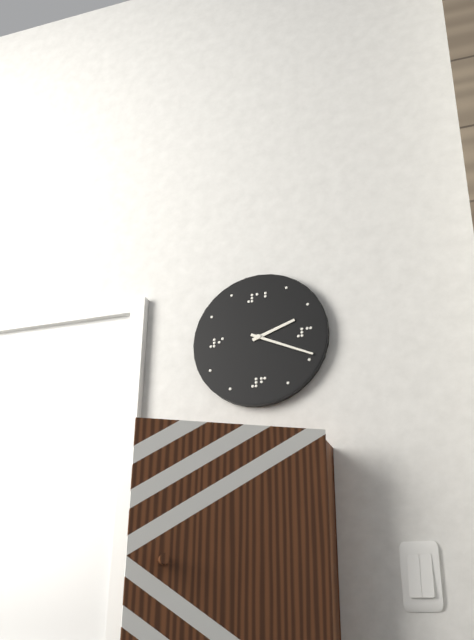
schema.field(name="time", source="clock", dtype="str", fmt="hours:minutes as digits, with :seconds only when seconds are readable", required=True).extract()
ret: 2:19
